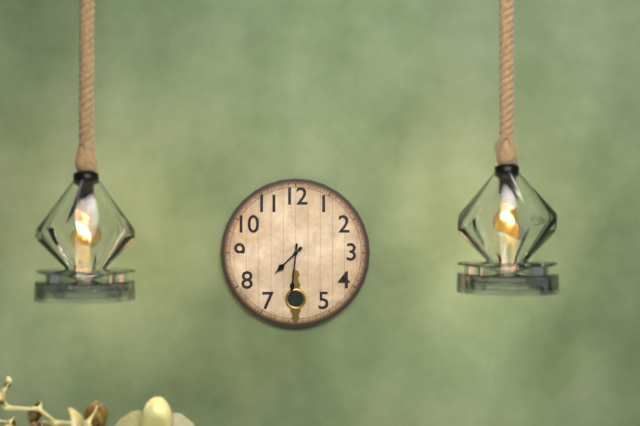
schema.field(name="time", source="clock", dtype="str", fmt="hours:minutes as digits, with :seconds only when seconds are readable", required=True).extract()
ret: 7:31
